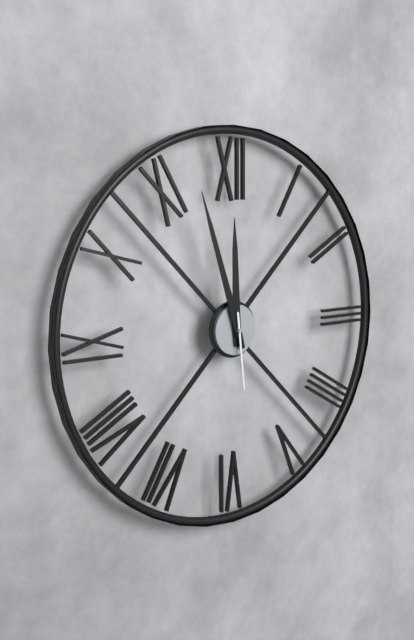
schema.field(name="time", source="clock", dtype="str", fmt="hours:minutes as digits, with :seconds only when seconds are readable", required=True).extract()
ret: 11:57:29
